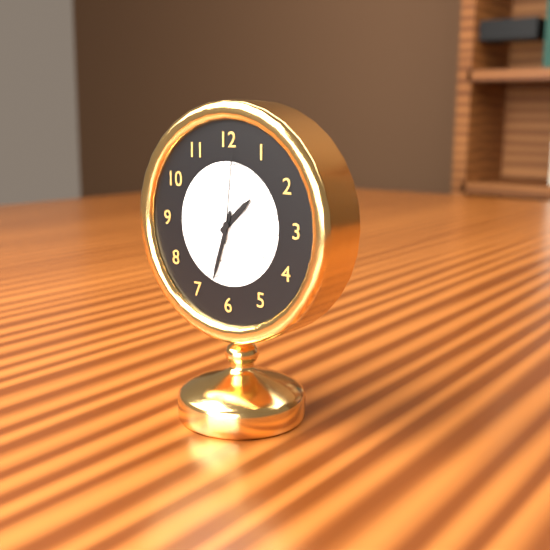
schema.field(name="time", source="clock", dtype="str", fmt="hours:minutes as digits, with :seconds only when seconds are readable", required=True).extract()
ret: 1:33:01
